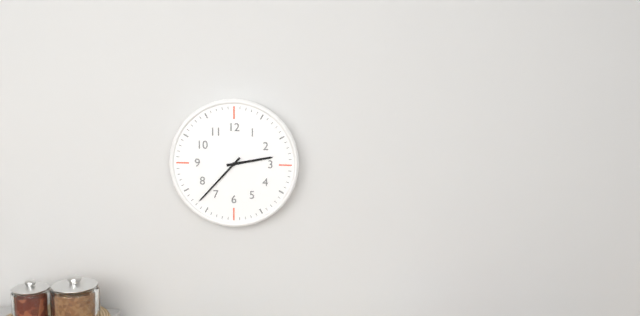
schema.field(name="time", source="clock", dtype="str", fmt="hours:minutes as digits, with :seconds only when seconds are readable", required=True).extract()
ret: 2:37
